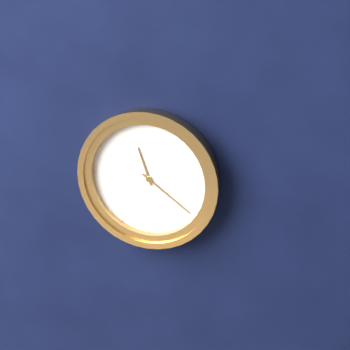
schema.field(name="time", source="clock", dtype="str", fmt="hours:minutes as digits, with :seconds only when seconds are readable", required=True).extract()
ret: 11:21
